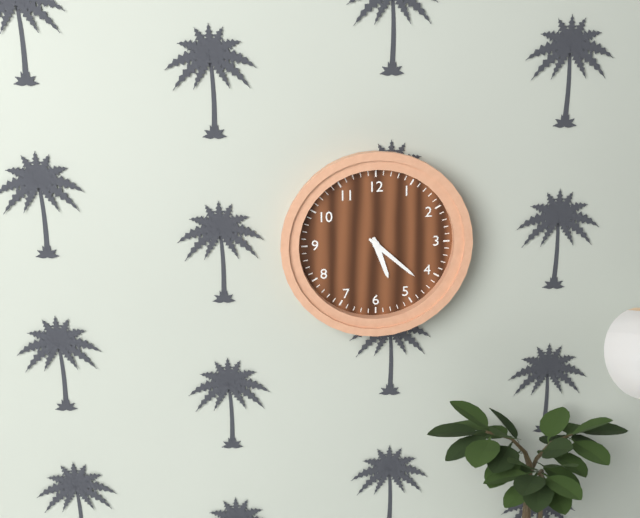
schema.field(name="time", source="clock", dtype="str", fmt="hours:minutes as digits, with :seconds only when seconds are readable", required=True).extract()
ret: 5:22
